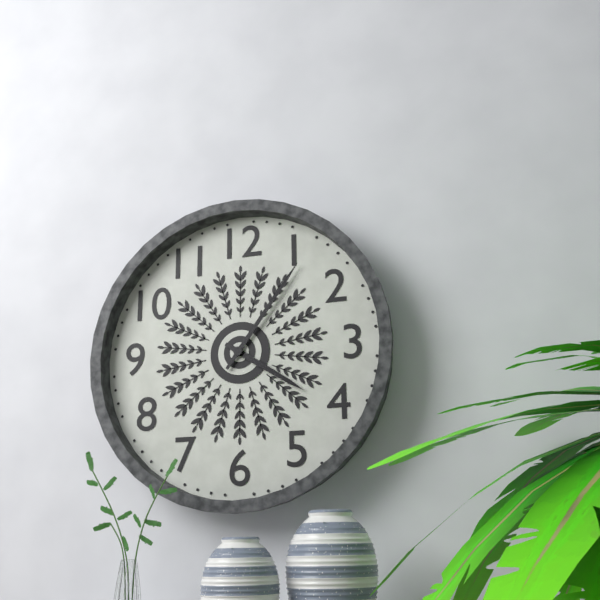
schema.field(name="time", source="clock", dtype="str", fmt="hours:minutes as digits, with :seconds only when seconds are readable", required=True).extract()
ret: 4:06
